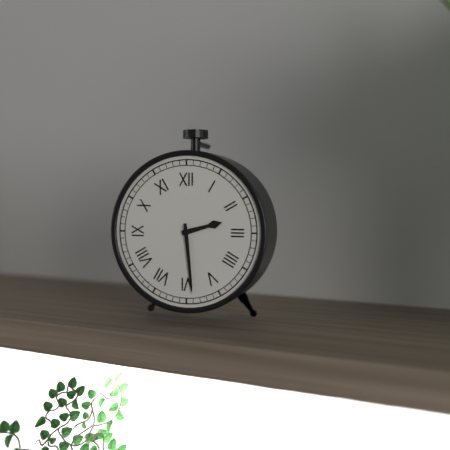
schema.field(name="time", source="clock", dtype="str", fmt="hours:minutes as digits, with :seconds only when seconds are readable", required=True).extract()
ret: 2:29
